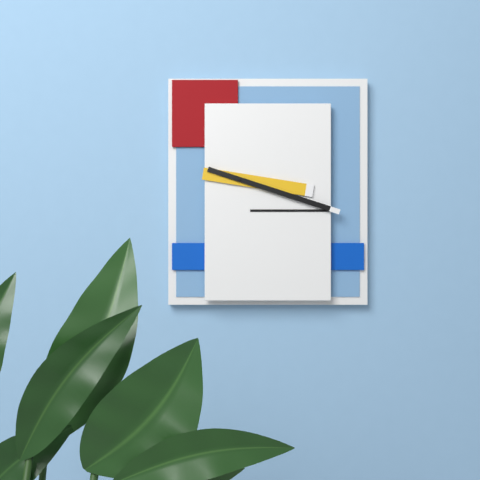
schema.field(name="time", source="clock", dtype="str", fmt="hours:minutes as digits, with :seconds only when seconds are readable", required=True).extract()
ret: 3:18
